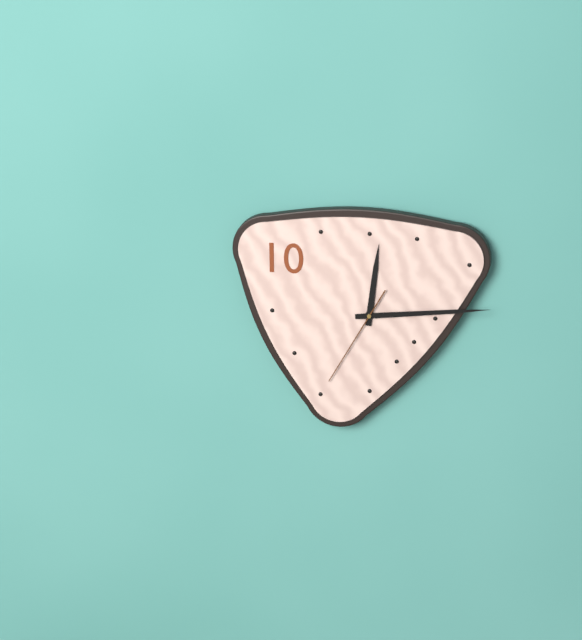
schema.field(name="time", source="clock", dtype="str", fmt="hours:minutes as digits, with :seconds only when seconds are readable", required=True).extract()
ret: 12:14:35
